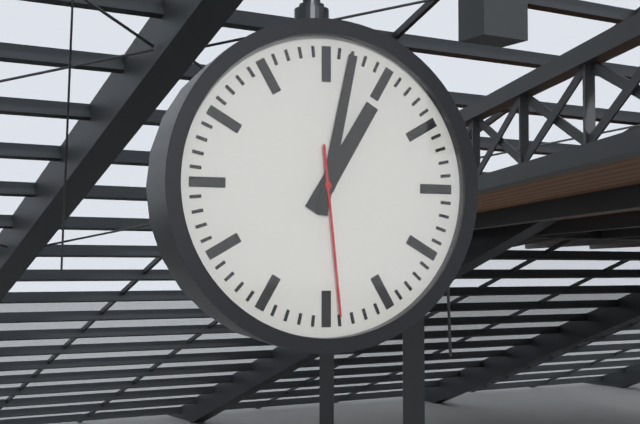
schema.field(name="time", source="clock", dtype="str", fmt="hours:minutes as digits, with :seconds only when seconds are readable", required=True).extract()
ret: 1:02:29
